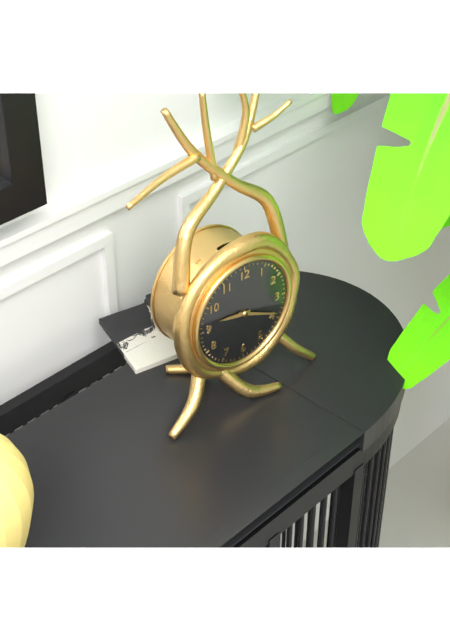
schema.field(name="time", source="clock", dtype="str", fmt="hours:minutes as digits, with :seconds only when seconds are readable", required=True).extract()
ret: 9:19
